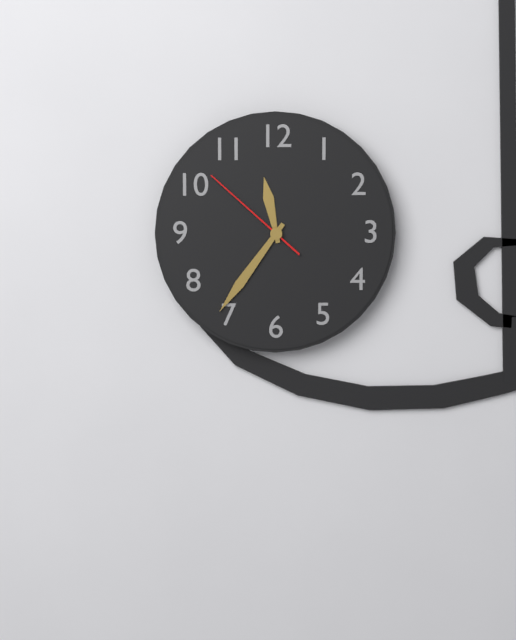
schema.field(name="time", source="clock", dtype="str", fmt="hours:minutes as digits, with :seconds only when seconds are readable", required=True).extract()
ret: 11:36:52
